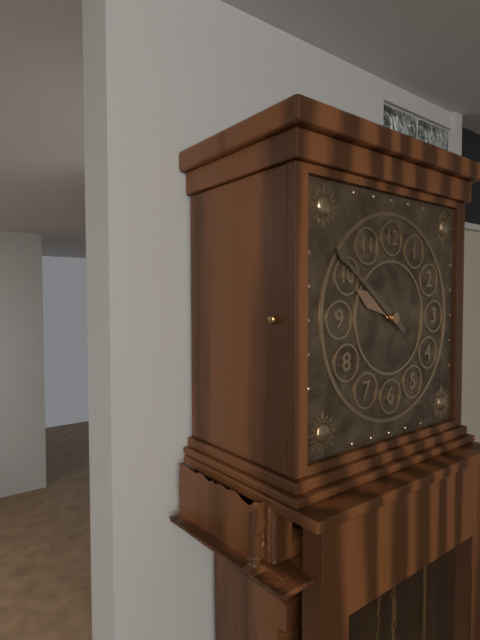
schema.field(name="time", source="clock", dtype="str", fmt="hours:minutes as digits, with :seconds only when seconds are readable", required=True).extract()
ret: 9:51
